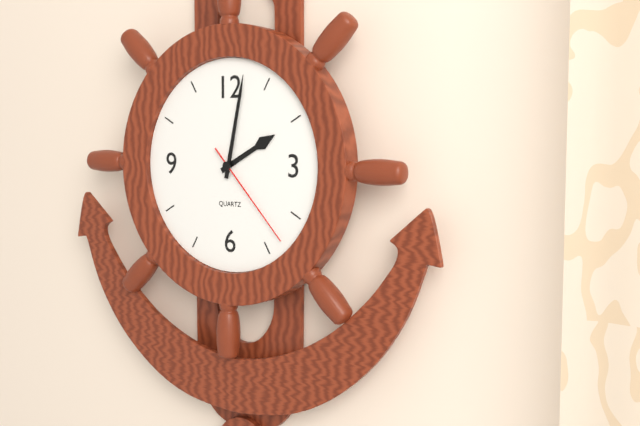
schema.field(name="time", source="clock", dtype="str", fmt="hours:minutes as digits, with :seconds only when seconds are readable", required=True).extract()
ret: 2:02:23
